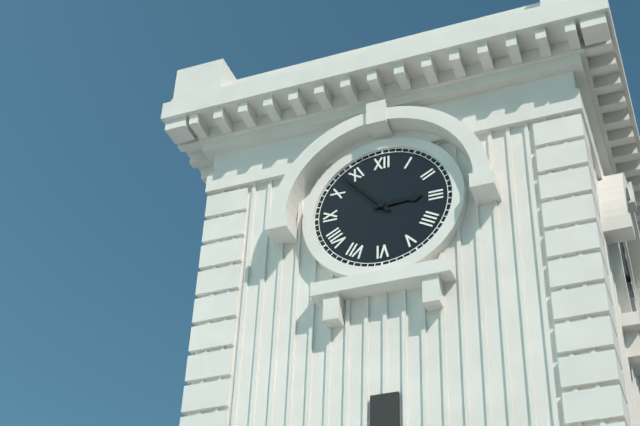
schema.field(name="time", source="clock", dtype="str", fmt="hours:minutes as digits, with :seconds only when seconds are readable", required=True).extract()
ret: 2:53
